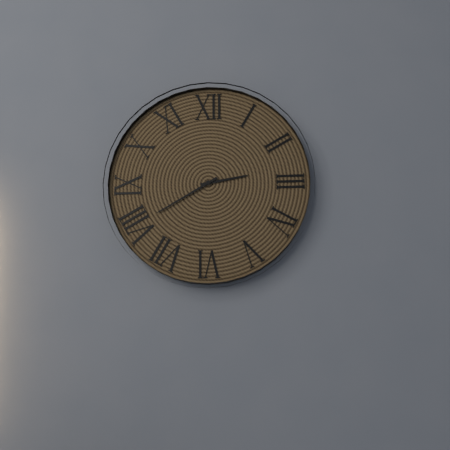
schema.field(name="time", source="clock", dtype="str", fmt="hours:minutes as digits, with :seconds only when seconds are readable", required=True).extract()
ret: 2:40
